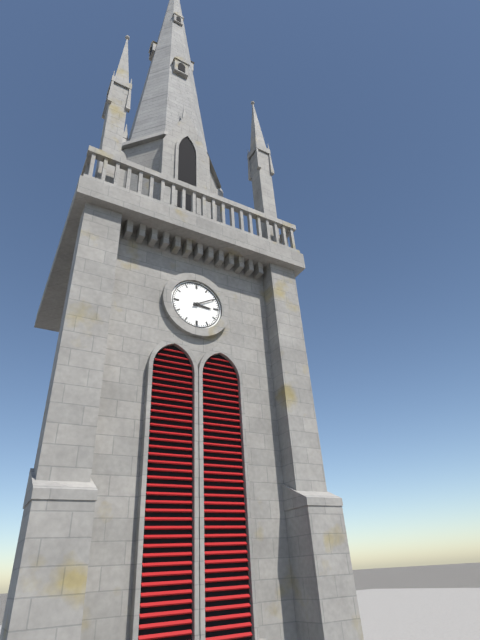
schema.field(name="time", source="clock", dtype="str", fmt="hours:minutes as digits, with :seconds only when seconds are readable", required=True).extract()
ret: 3:10
